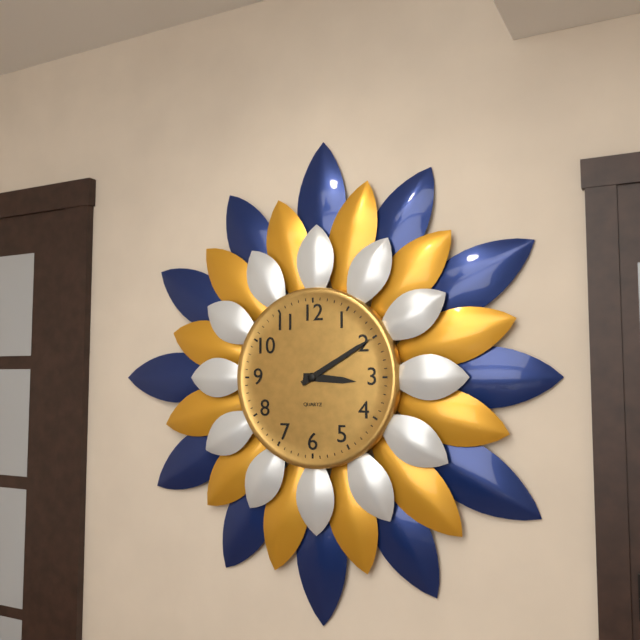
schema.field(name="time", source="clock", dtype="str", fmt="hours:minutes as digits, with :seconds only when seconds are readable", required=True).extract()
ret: 3:10
